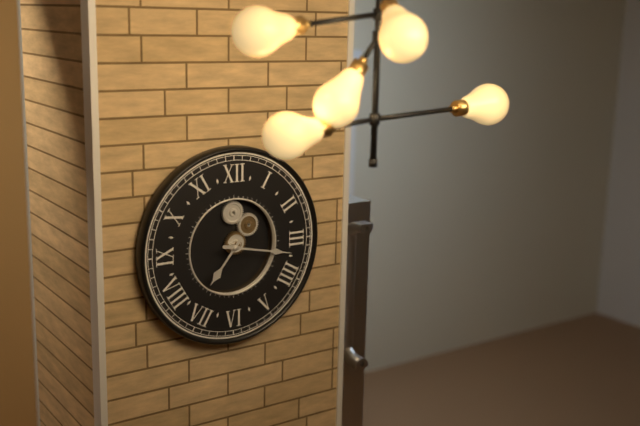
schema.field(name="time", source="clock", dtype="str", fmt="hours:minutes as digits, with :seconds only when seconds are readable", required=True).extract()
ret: 7:17
